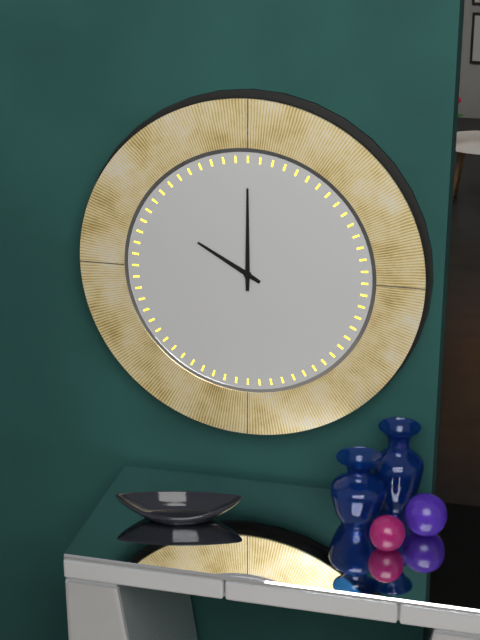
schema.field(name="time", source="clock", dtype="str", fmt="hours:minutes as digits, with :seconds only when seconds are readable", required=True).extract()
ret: 10:00
